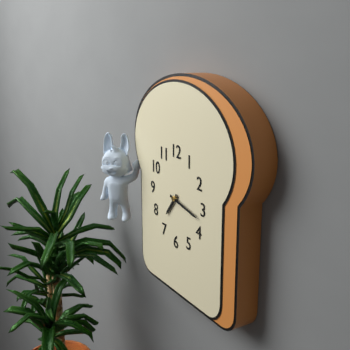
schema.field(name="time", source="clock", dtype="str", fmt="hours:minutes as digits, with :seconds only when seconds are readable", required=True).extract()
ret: 7:17
